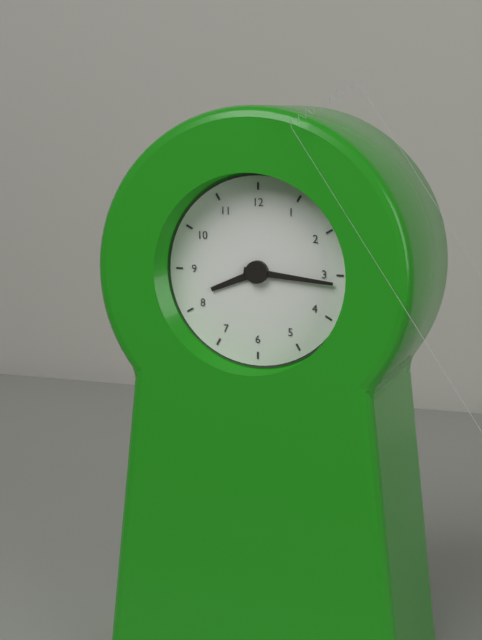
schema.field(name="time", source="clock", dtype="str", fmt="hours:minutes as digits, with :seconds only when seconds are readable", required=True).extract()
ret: 8:16
